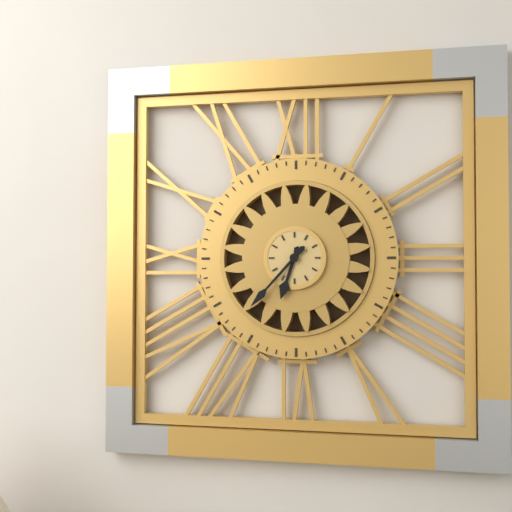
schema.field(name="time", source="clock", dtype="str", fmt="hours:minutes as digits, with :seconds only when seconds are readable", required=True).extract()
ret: 6:37
